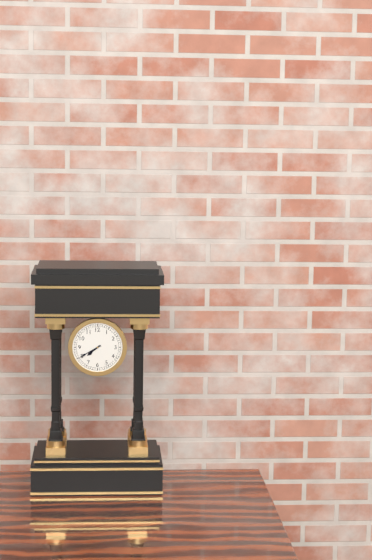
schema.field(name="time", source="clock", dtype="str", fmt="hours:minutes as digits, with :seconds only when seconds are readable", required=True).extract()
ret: 7:40
